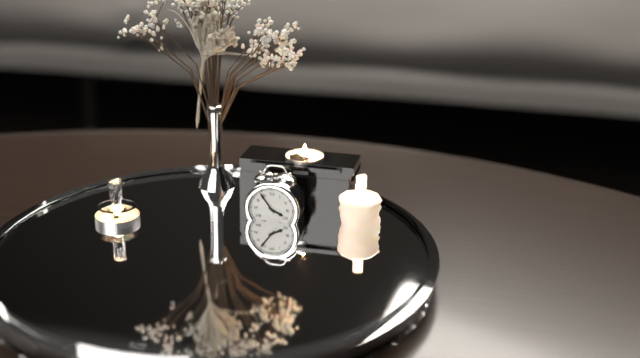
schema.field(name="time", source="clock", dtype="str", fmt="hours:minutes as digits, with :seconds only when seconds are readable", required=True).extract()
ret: 3:54
